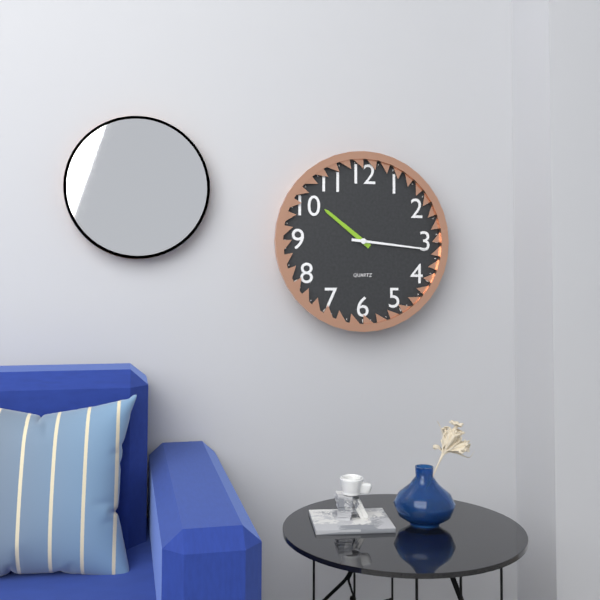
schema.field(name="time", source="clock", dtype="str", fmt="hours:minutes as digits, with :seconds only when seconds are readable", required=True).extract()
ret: 10:16
